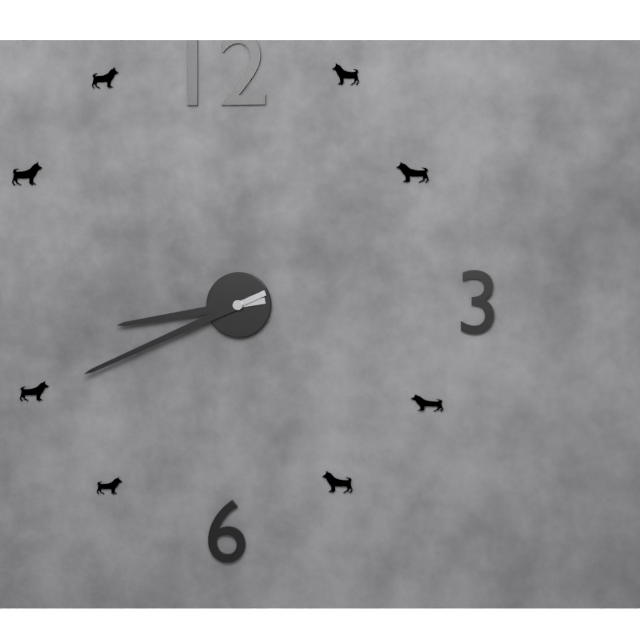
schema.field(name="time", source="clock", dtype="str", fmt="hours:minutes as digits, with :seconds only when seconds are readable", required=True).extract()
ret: 8:41
